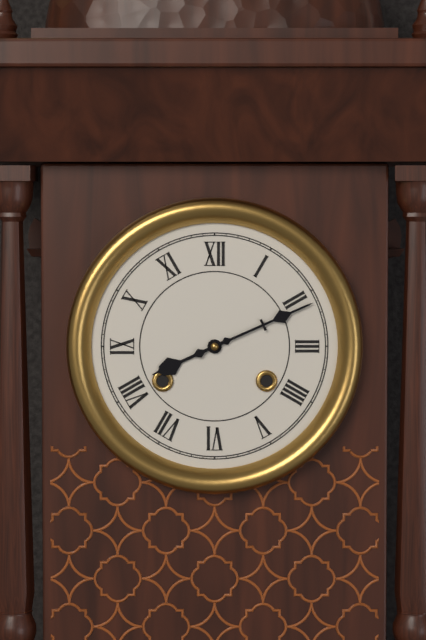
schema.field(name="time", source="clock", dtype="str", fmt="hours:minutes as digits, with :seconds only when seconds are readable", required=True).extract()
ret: 8:11
